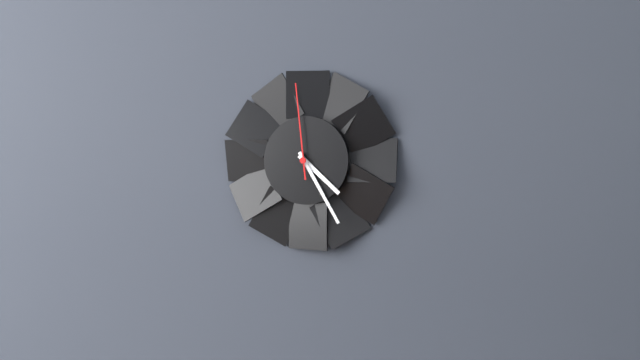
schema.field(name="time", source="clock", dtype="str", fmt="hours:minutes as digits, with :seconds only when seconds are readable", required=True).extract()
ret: 4:25:59
